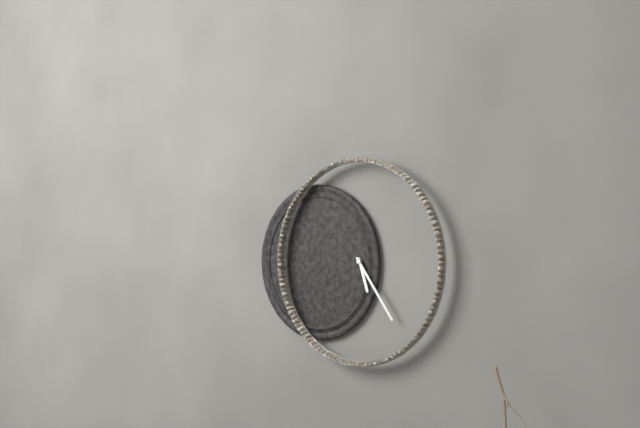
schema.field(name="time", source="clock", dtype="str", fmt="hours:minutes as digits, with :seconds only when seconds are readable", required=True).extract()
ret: 5:24
